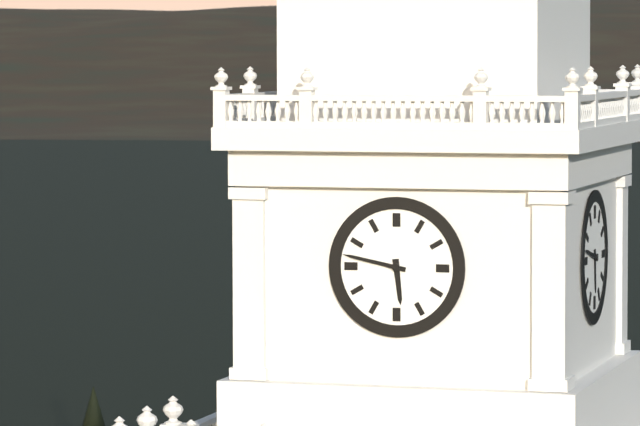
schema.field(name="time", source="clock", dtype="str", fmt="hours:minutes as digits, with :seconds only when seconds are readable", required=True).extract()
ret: 5:47
